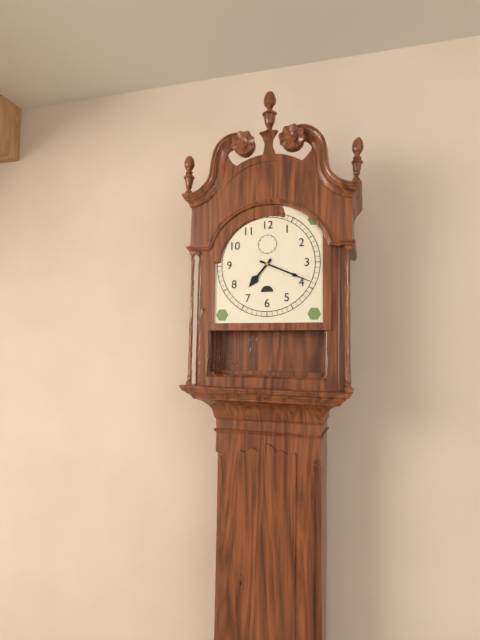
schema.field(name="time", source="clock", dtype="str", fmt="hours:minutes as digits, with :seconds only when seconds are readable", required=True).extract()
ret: 7:19
